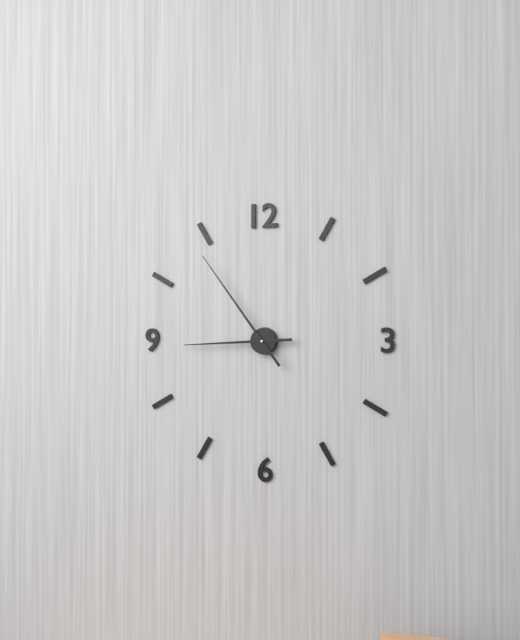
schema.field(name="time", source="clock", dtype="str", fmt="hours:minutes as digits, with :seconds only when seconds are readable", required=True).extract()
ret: 8:54
